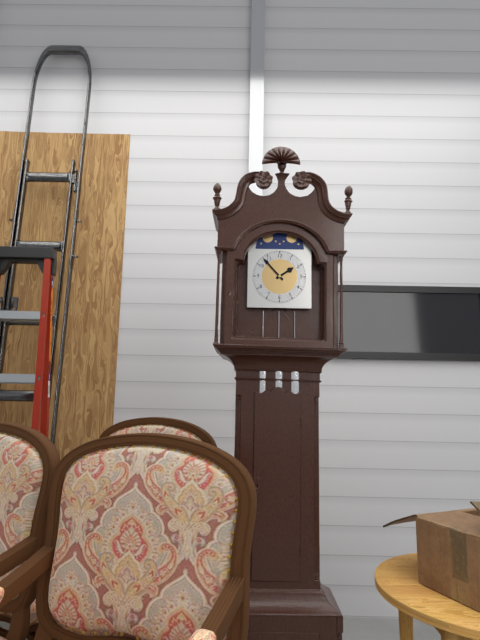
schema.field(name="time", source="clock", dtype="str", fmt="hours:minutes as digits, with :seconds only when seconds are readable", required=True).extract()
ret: 1:53
